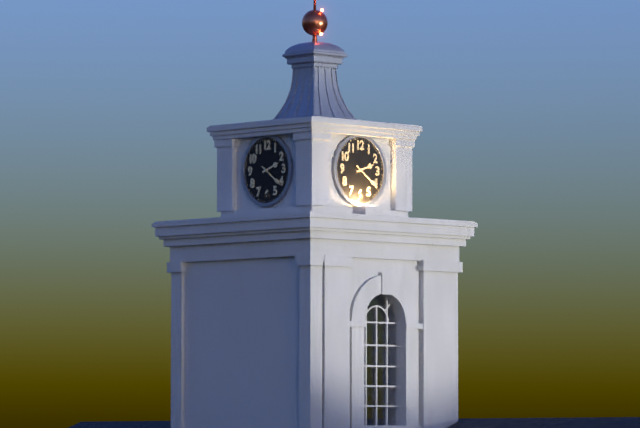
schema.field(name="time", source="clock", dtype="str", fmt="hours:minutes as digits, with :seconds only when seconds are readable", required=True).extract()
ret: 2:21
